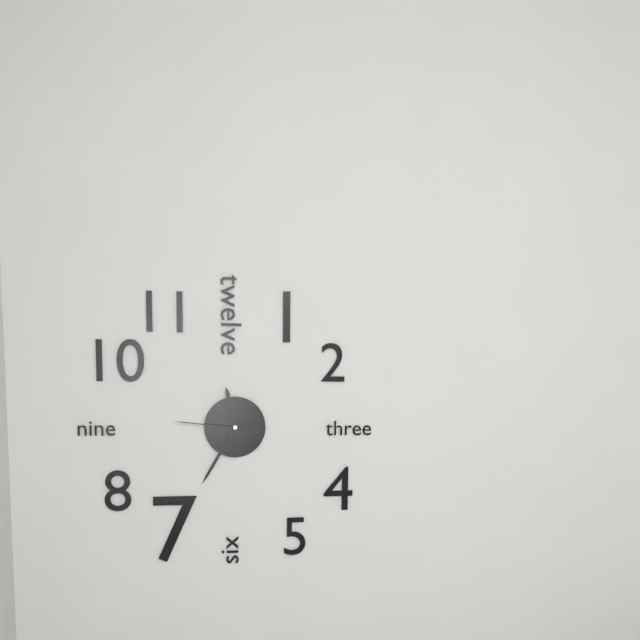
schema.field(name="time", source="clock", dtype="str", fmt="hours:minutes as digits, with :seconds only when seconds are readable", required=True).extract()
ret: 11:35:46
